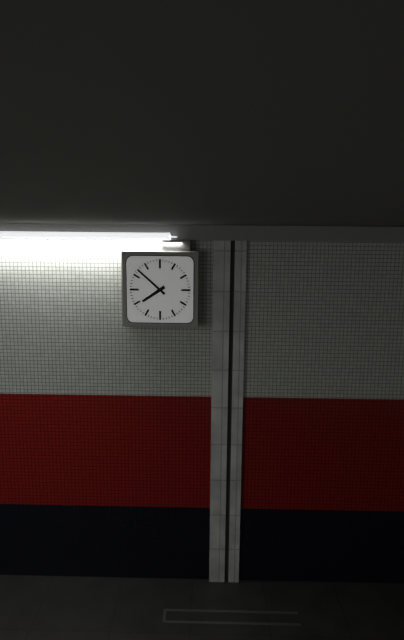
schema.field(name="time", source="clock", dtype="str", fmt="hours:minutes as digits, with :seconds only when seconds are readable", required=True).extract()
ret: 7:52
